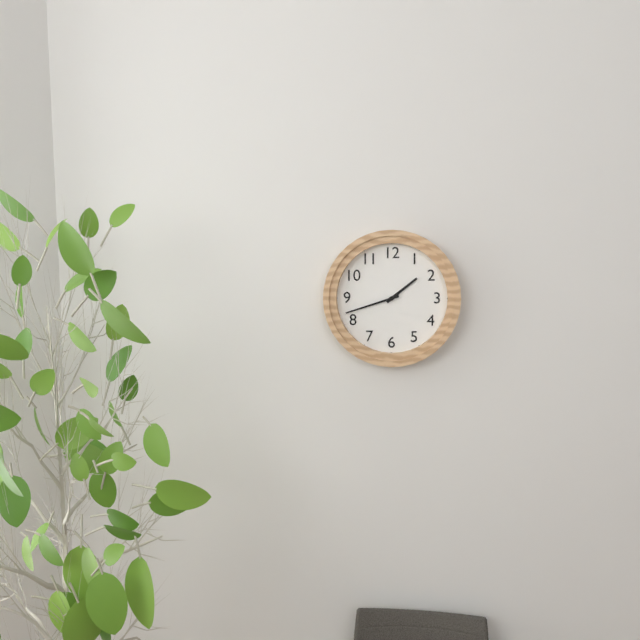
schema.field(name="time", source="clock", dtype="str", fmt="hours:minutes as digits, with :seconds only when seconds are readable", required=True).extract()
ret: 1:42
